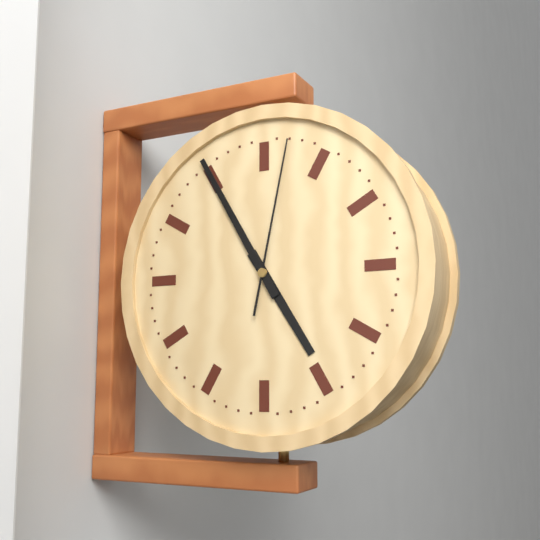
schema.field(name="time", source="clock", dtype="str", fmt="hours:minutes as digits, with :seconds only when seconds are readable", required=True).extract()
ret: 4:55:02
